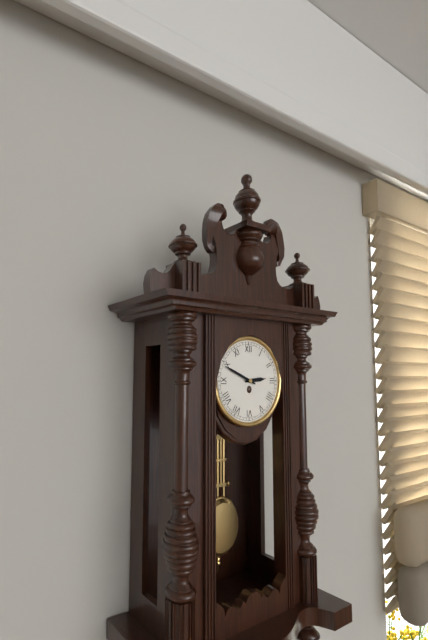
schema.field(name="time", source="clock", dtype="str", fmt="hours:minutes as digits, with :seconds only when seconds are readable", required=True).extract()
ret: 2:49
